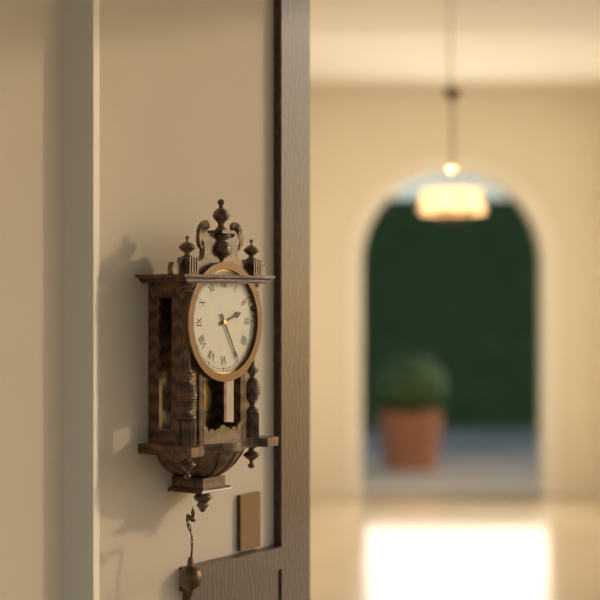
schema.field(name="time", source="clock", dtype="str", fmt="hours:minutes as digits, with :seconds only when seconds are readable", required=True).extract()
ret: 2:25
